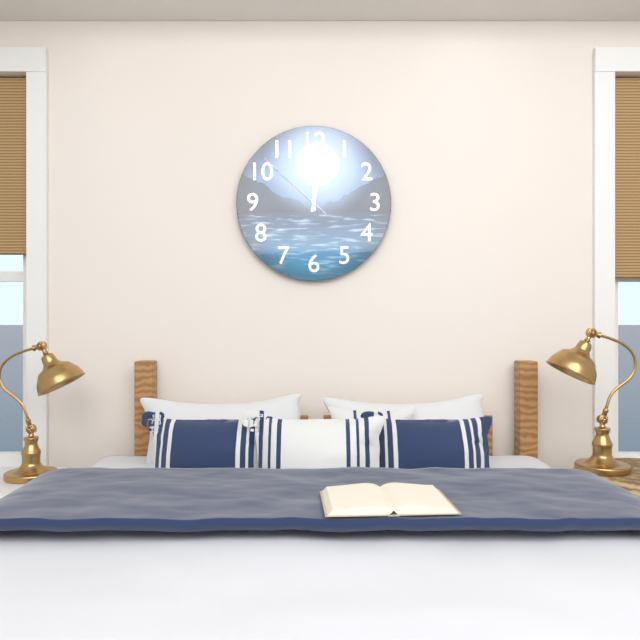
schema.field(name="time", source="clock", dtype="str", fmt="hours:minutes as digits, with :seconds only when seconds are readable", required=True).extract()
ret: 12:02:52
